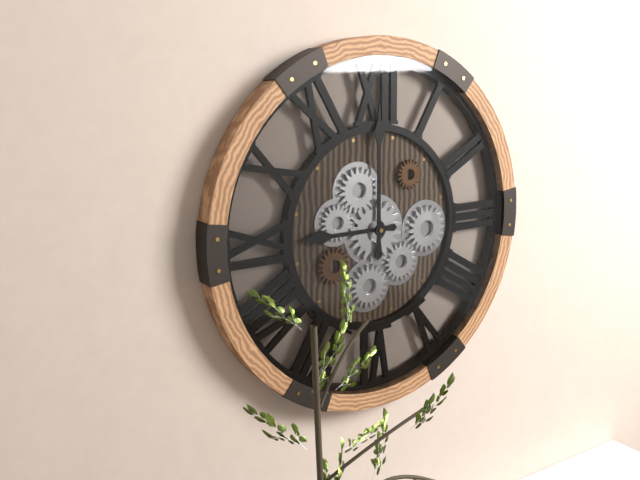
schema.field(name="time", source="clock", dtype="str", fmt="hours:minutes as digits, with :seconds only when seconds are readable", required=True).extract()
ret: 9:00
